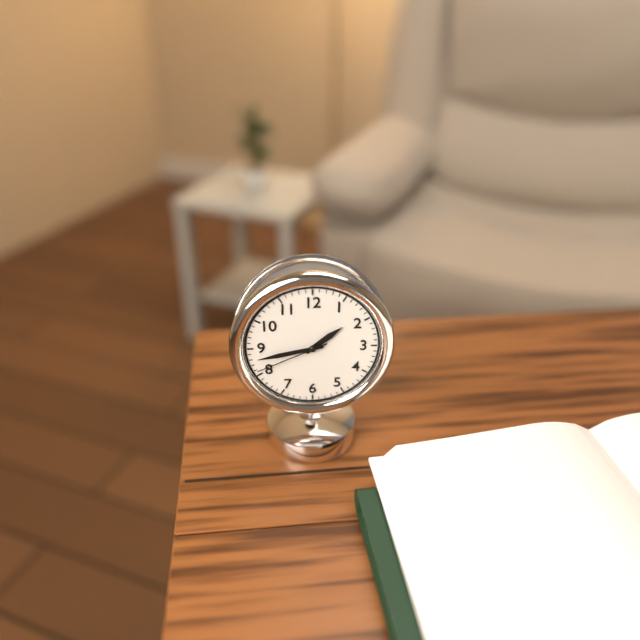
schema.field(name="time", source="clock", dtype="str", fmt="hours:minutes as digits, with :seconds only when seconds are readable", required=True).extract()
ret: 1:43:41
